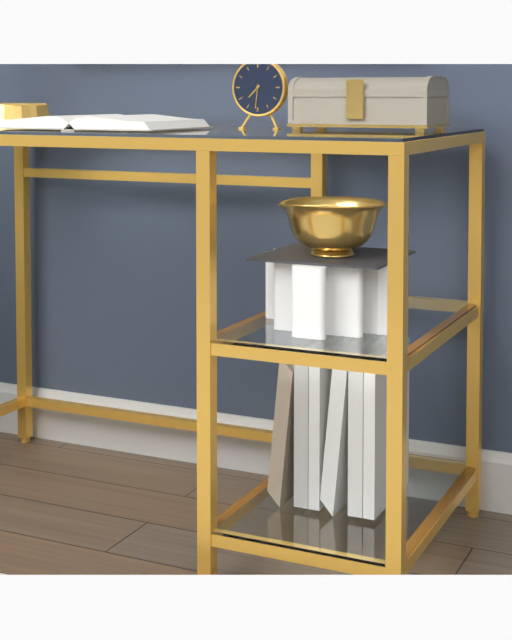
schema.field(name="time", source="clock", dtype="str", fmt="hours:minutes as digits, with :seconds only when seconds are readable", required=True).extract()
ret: 7:31
